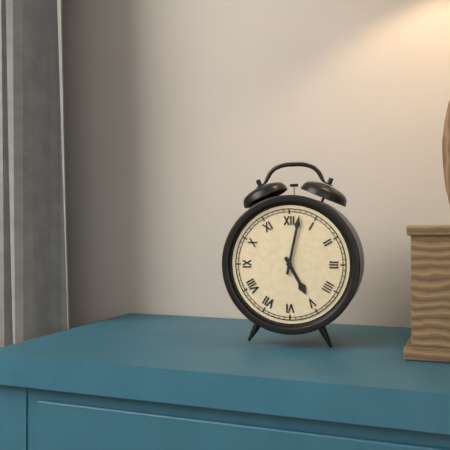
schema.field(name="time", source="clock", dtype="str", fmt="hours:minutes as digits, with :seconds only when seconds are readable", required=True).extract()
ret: 5:02
